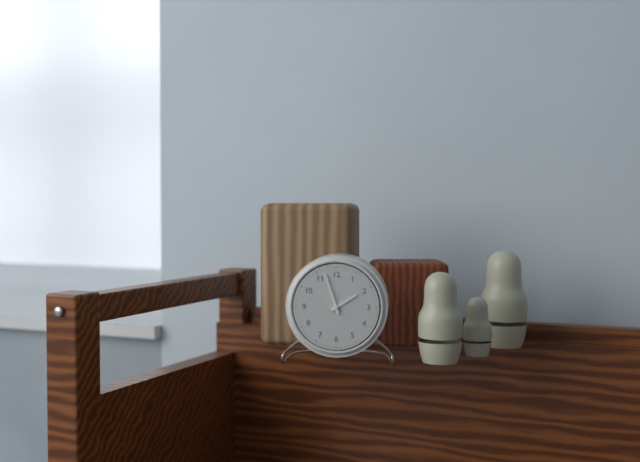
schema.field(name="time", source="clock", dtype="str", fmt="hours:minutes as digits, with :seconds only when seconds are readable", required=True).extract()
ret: 1:57
